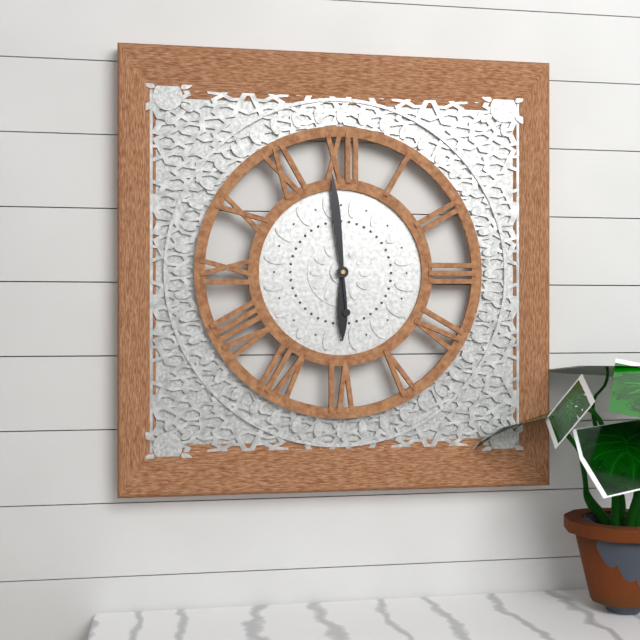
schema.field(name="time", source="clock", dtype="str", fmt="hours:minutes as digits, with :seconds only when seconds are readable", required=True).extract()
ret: 5:59
